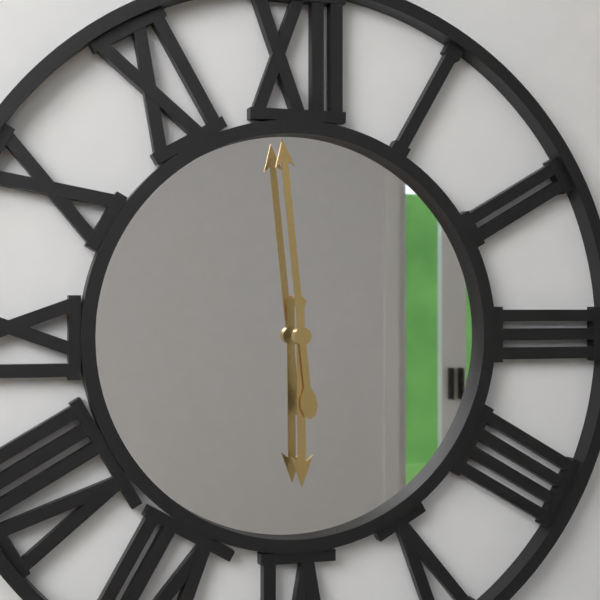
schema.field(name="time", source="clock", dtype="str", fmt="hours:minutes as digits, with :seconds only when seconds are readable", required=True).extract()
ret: 5:59
